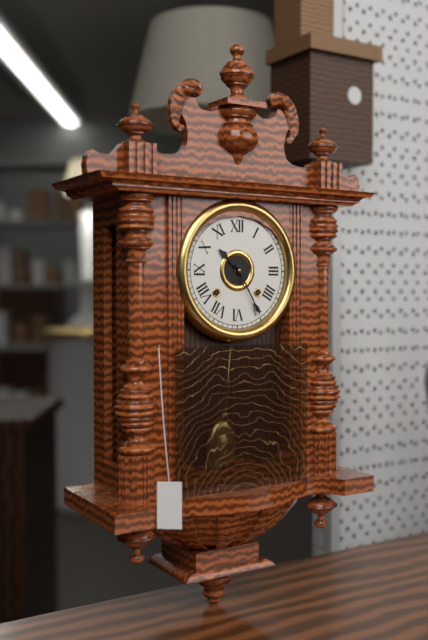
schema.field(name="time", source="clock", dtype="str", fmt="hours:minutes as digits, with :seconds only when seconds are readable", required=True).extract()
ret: 10:25
